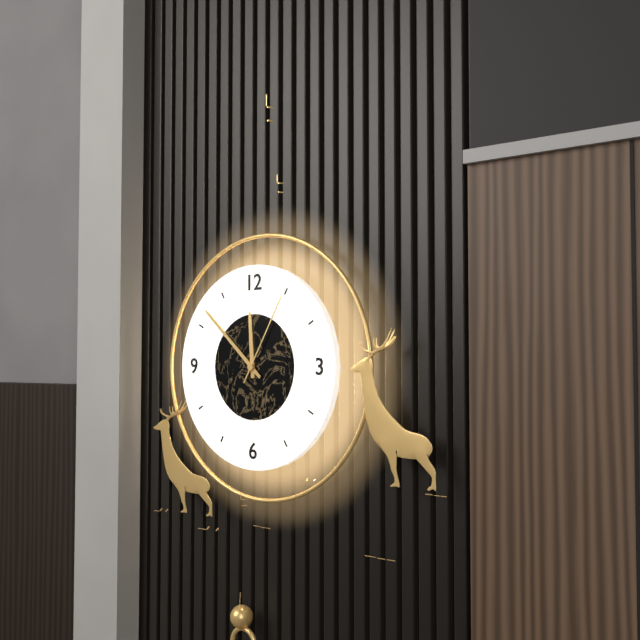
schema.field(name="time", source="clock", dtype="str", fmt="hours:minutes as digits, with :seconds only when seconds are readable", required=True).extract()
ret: 11:52:05
